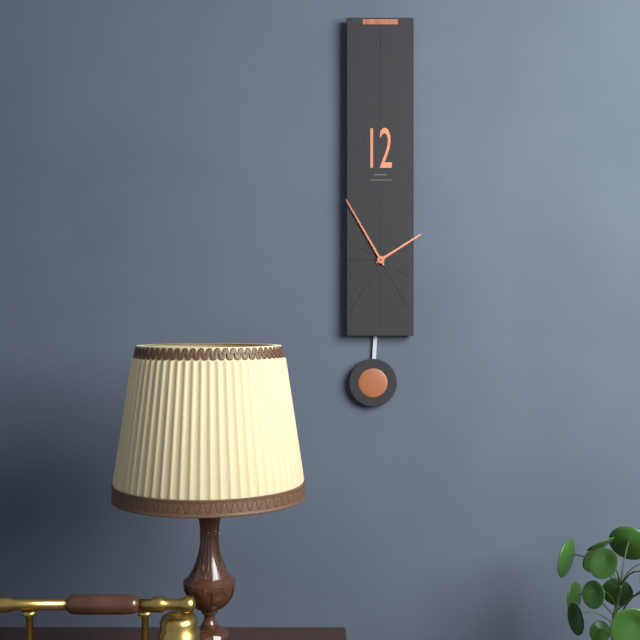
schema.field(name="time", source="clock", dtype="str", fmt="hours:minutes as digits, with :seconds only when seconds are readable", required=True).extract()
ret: 1:55
